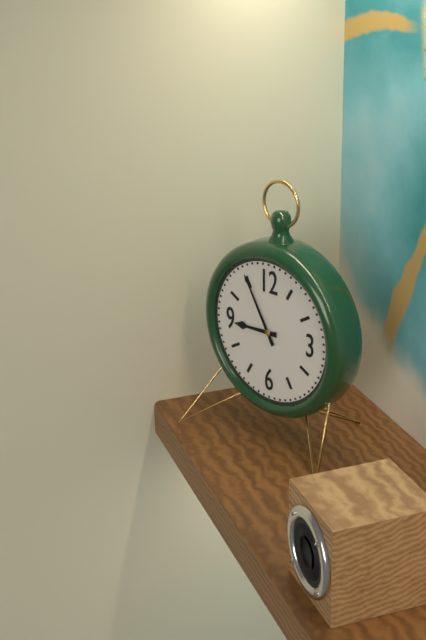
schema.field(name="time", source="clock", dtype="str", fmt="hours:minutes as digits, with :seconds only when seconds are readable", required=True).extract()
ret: 8:55
